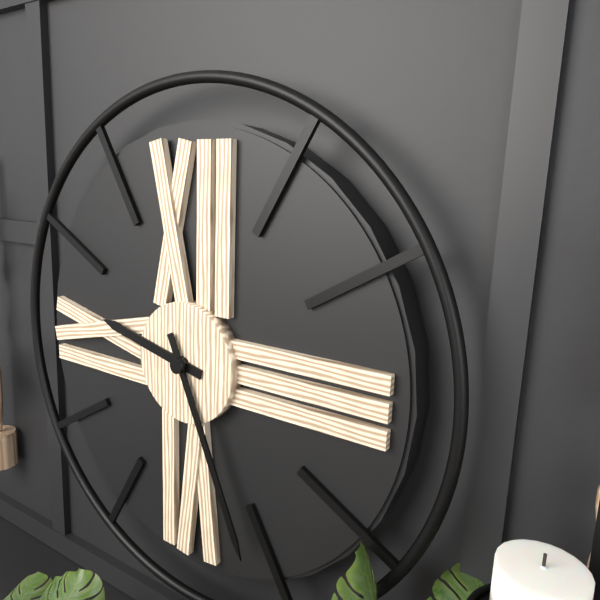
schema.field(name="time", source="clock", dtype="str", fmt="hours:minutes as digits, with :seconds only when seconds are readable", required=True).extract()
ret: 9:26
